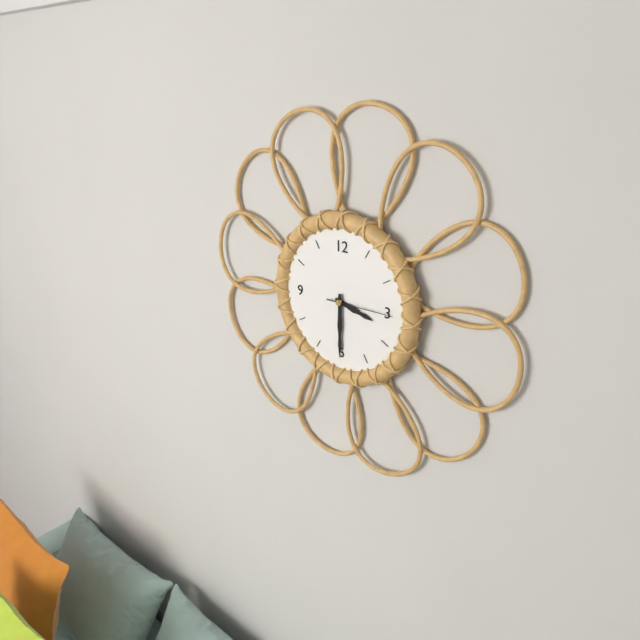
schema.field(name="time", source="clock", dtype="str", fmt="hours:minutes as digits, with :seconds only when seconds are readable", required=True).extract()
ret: 3:30:15
